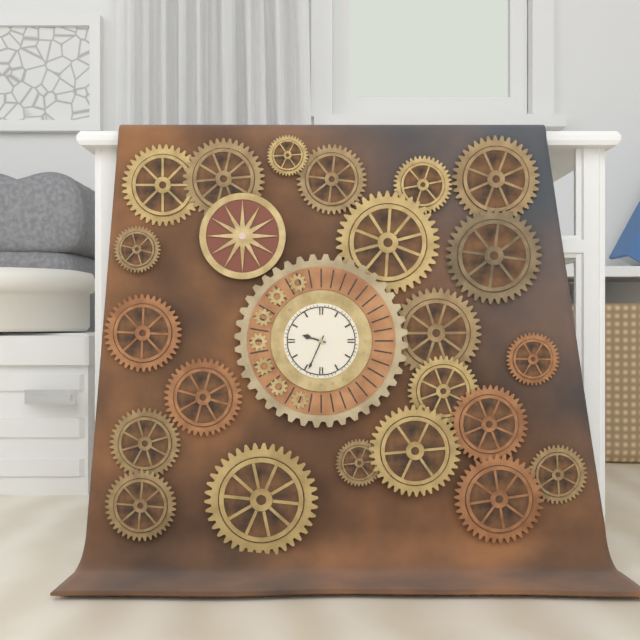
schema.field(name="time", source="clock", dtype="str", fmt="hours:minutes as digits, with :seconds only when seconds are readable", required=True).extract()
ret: 9:34
